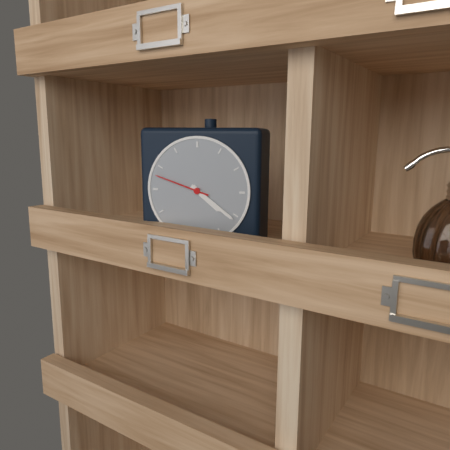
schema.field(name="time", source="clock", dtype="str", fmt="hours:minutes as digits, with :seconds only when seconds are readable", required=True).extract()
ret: 4:21:48
